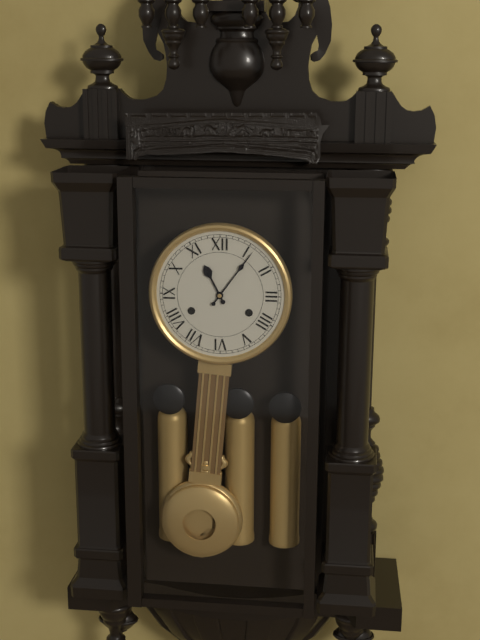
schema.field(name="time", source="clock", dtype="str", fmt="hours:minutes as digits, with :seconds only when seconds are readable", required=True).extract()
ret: 11:06
